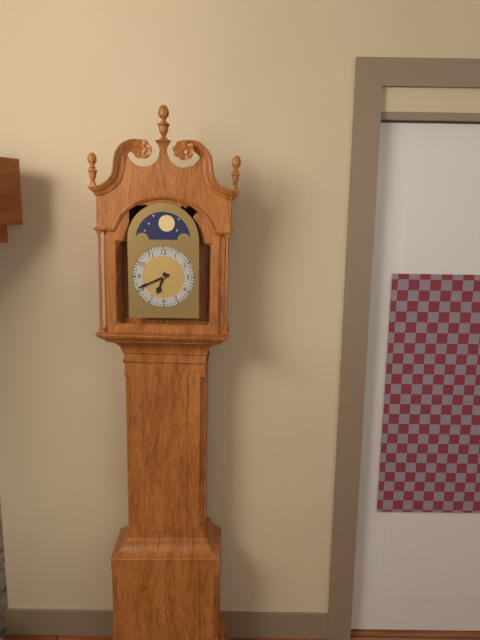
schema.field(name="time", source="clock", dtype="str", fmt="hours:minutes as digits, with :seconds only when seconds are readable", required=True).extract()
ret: 6:41
